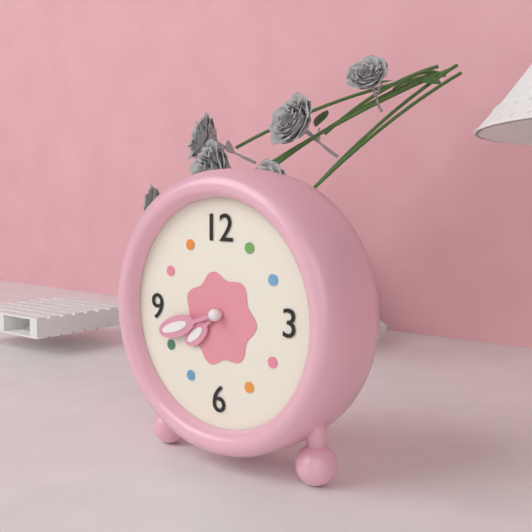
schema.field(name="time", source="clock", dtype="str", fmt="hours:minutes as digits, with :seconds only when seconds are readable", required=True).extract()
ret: 7:42
